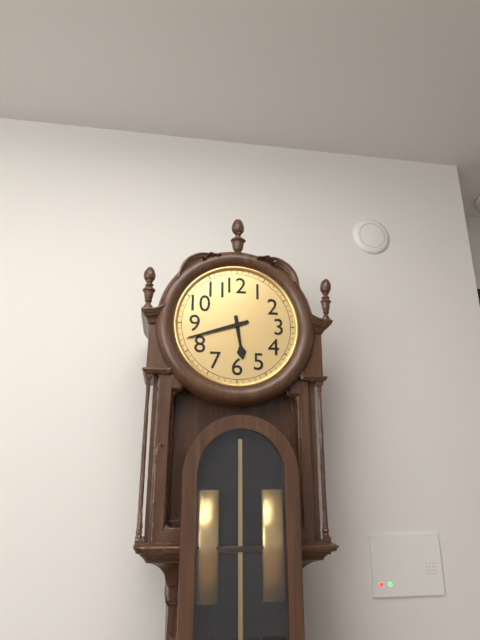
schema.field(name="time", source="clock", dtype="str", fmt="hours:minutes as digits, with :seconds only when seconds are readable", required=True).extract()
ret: 5:42
